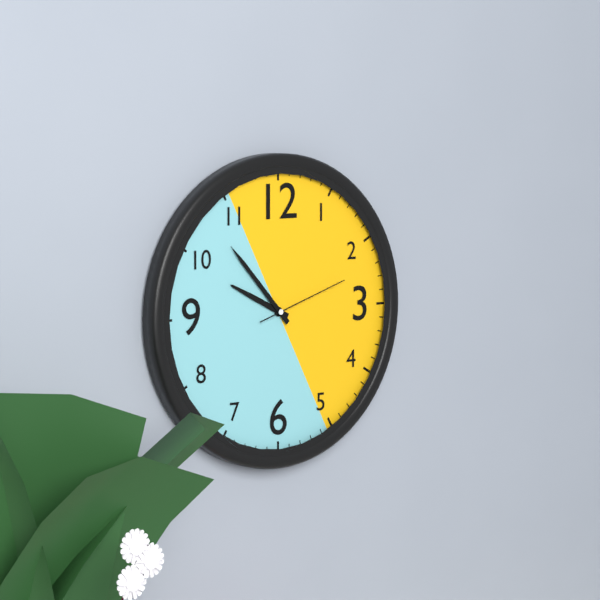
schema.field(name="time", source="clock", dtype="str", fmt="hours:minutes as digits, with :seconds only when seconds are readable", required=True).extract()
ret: 9:53:12
